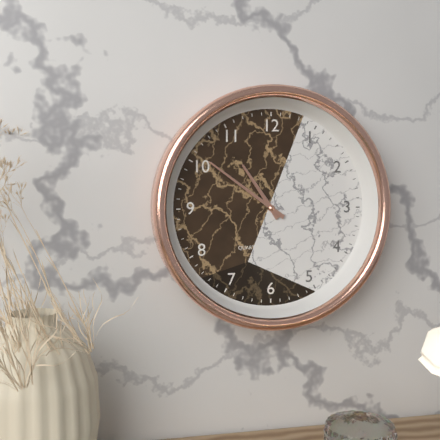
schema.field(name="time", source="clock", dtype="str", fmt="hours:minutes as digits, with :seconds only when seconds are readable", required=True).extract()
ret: 10:51
